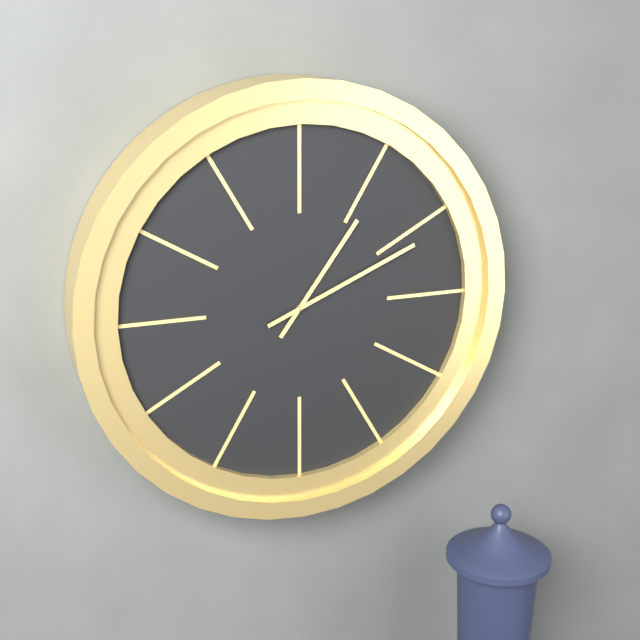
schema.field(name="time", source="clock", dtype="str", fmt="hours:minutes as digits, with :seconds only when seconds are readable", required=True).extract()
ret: 1:11
